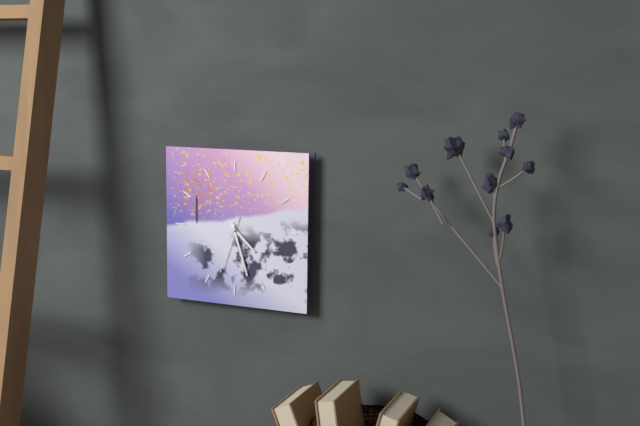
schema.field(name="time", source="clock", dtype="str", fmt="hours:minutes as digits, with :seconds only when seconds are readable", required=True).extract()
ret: 4:27:33
